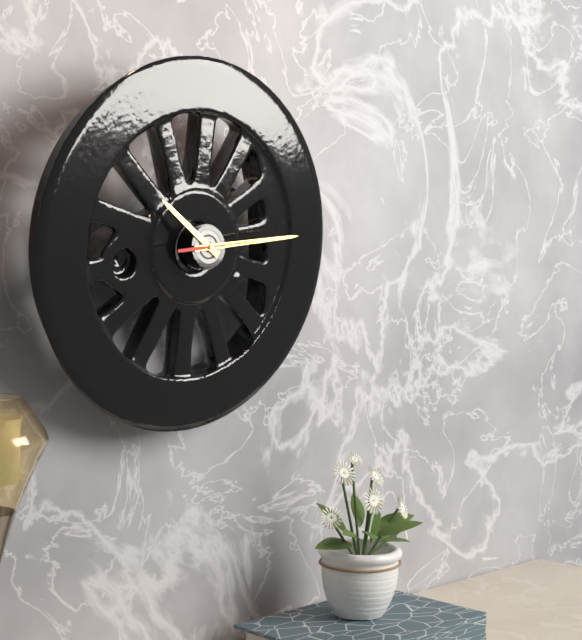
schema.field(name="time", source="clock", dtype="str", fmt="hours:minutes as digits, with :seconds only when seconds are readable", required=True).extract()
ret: 10:14:14
